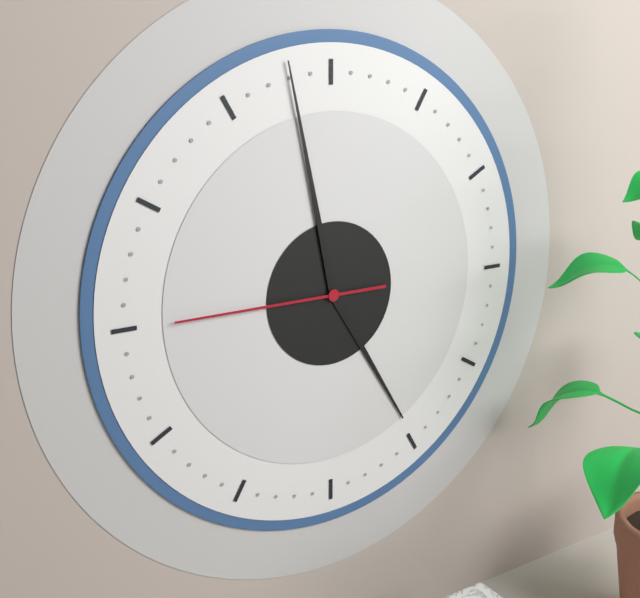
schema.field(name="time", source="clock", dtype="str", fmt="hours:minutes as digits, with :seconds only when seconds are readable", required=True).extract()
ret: 4:58:45
